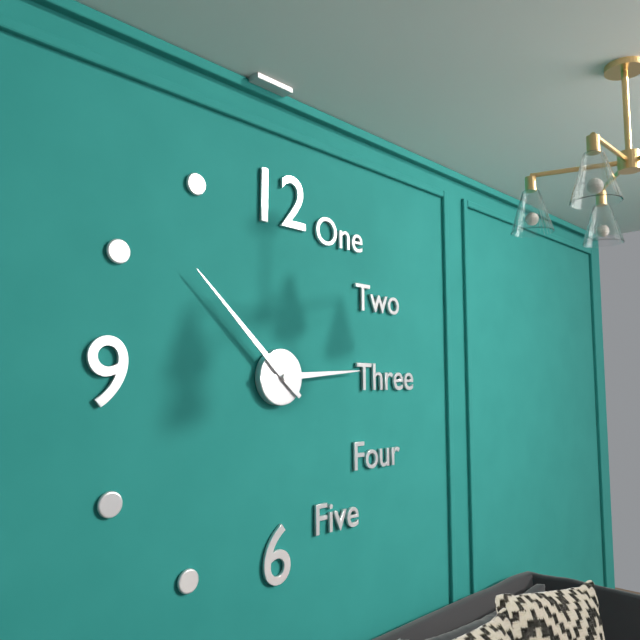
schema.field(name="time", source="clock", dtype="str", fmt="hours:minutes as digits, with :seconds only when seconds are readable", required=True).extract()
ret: 2:52
